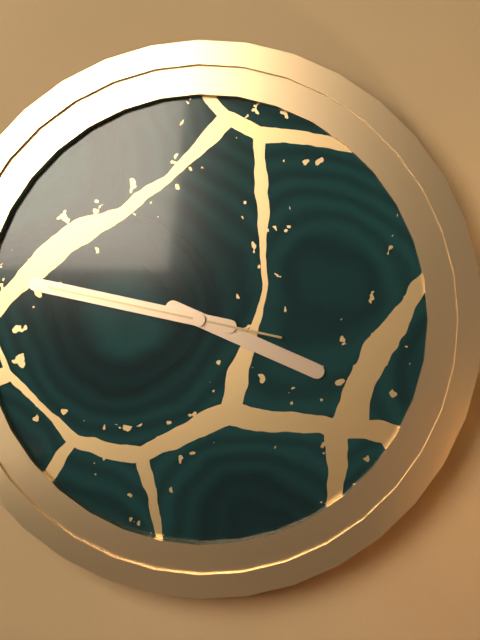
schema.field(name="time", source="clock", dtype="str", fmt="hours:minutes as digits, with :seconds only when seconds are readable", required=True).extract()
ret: 3:47:47
